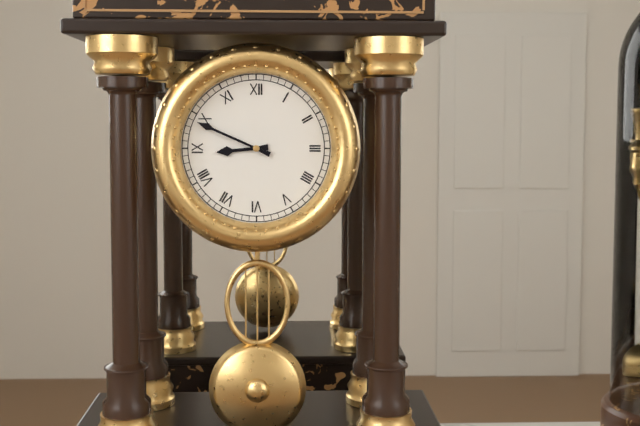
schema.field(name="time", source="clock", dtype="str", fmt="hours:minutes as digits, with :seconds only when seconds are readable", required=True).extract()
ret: 8:49
